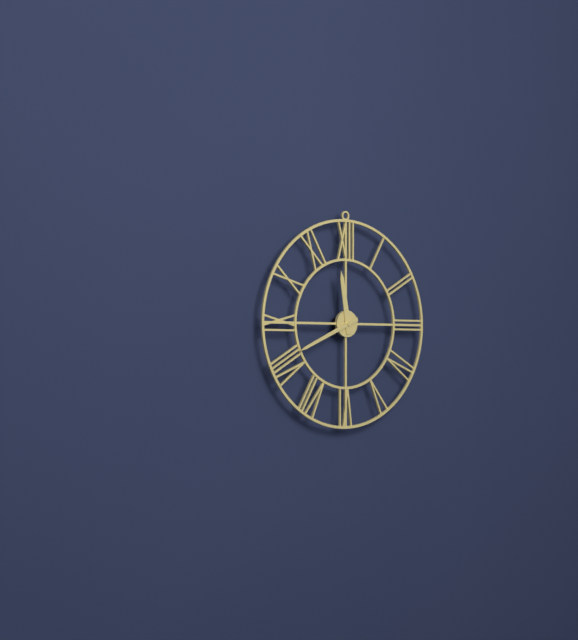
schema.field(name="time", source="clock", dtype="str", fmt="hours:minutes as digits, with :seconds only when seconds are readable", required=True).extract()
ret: 11:41
